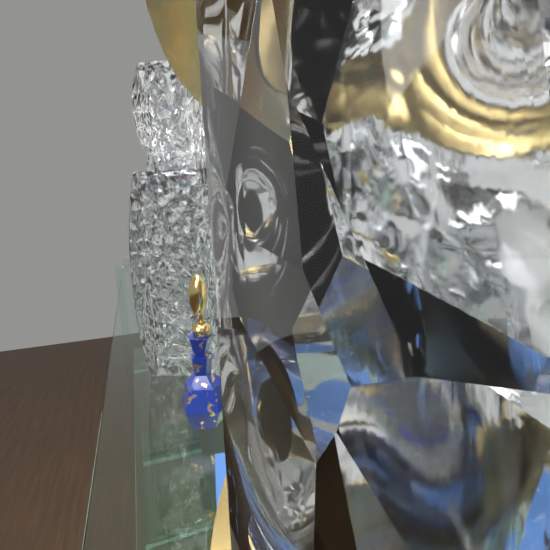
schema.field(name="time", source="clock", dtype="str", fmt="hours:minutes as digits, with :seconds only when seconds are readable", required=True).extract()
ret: 2:01
